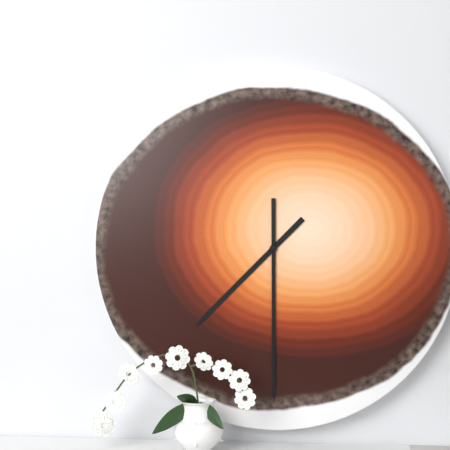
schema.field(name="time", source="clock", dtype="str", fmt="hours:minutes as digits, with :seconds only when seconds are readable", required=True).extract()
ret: 7:30
